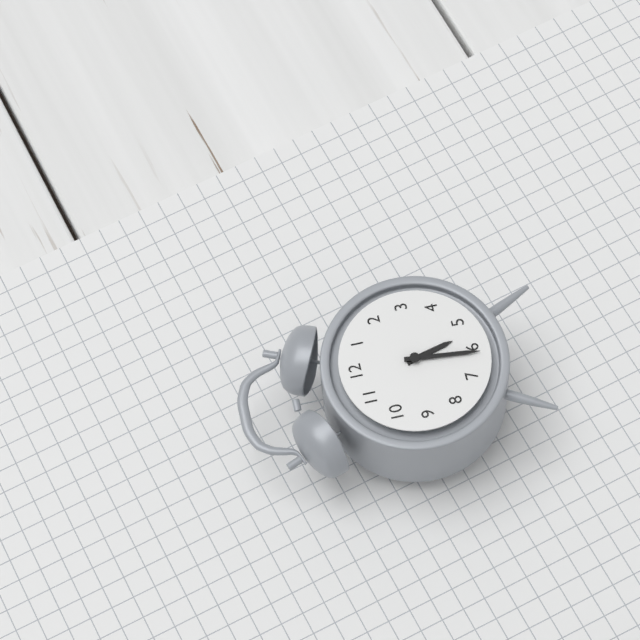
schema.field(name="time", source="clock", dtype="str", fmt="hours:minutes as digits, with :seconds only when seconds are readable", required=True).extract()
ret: 5:31
